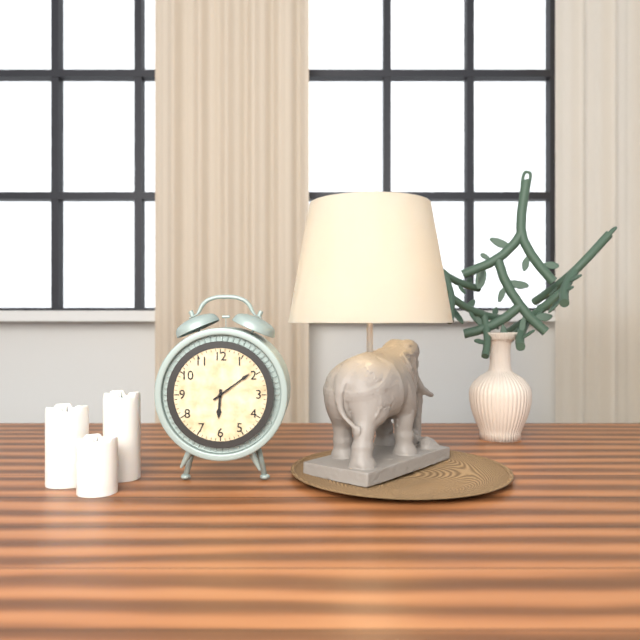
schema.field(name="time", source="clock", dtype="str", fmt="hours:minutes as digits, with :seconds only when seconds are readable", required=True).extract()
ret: 6:09
